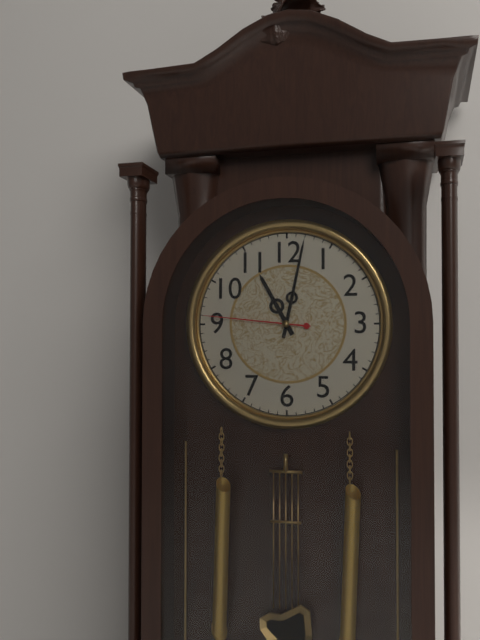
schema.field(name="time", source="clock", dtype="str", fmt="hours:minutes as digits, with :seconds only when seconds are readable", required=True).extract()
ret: 11:02:46
